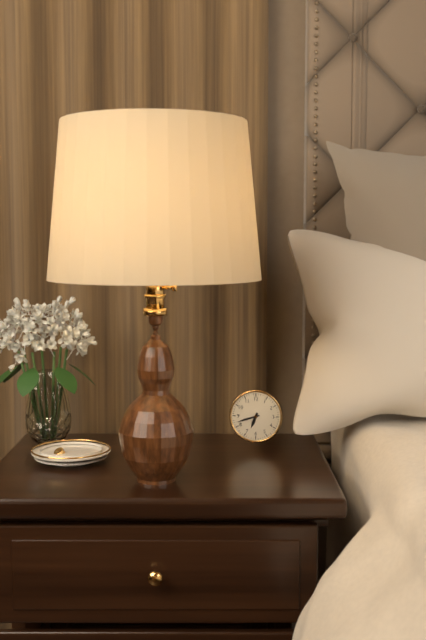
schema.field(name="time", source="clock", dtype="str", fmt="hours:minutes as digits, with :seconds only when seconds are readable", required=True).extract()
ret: 6:42
